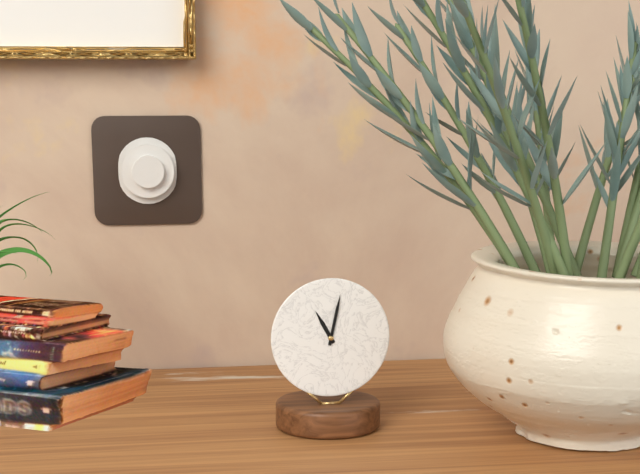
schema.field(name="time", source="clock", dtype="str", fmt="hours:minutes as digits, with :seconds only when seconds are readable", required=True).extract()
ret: 11:02
